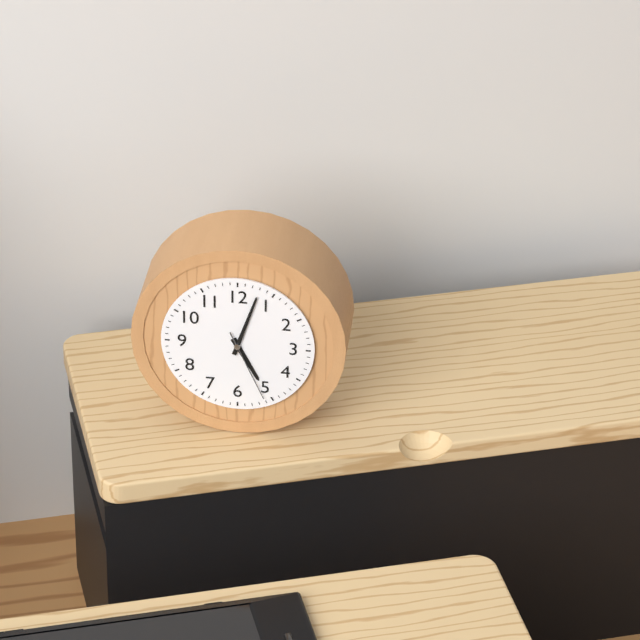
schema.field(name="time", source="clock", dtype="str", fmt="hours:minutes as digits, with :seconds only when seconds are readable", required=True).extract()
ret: 5:03:26
